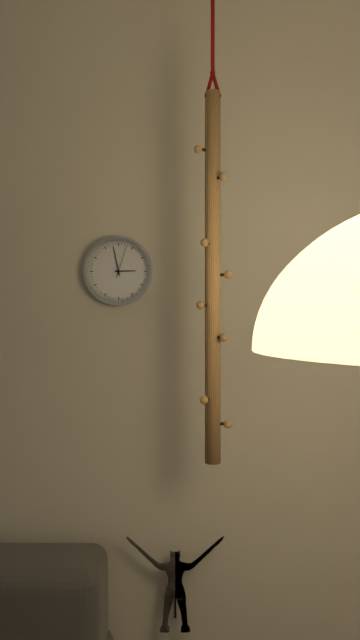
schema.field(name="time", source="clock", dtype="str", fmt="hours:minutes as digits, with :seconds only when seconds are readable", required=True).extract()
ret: 2:58
